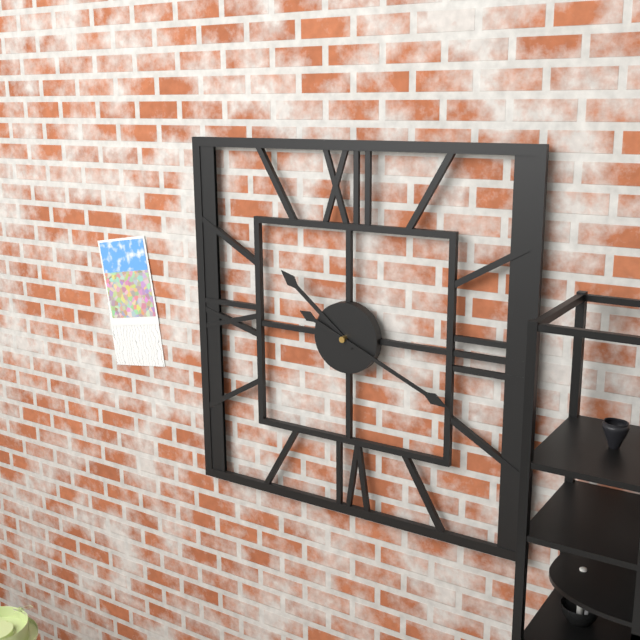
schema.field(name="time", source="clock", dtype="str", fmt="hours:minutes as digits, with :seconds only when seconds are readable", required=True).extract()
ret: 10:19
